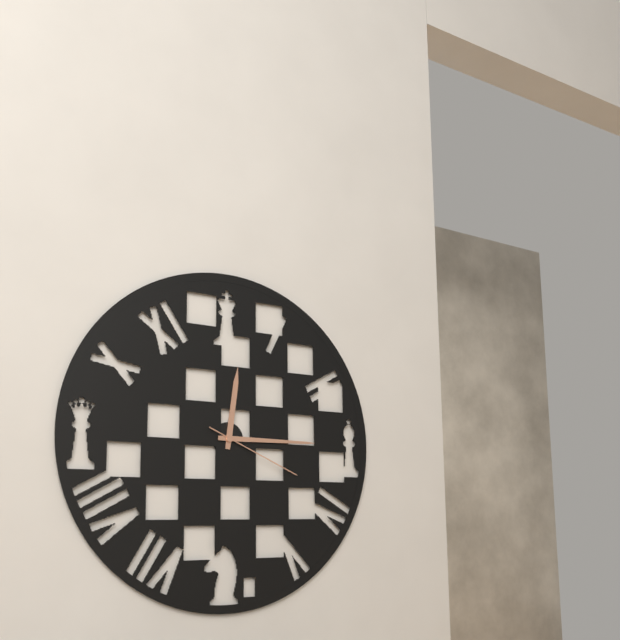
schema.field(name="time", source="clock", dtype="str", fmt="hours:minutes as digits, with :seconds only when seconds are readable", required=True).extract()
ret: 12:15:19
